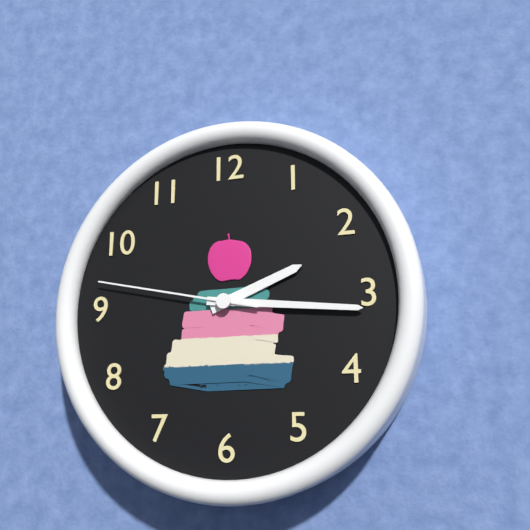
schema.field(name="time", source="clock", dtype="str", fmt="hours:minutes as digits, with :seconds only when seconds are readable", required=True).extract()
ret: 2:16:47
